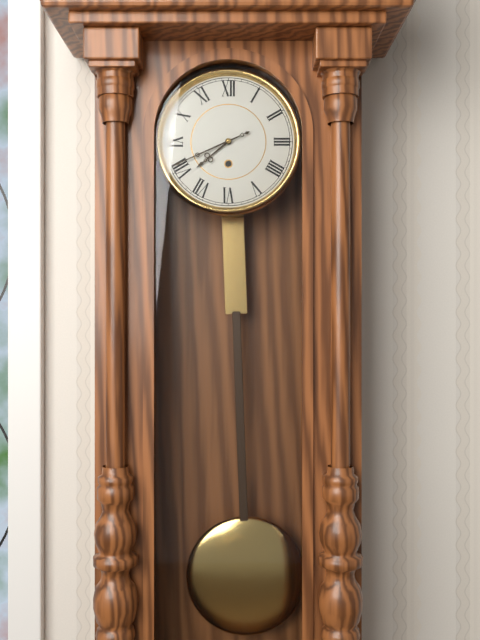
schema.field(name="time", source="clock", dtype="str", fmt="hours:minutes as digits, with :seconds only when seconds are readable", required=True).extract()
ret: 7:41
